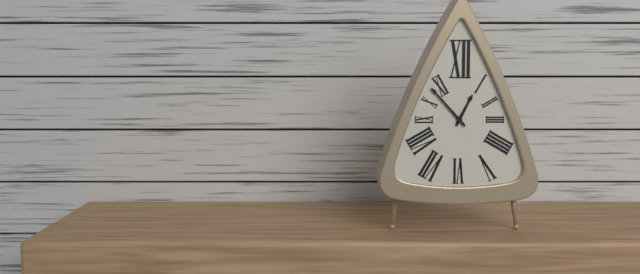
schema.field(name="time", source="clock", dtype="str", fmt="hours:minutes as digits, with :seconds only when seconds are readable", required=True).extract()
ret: 12:53
